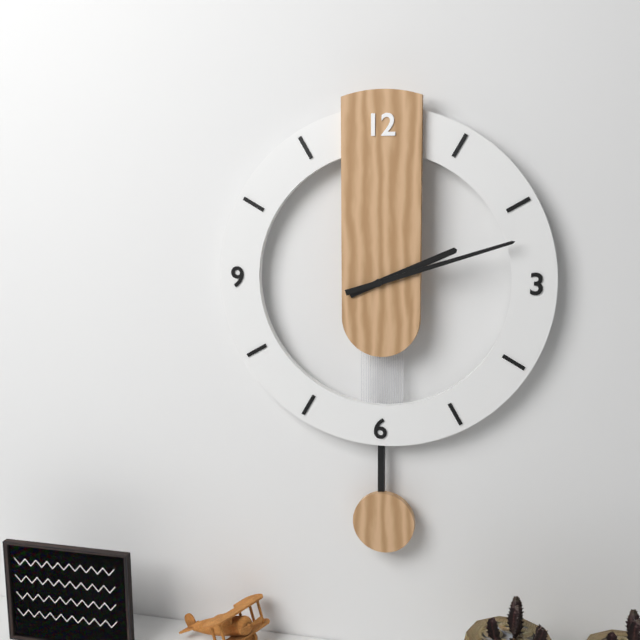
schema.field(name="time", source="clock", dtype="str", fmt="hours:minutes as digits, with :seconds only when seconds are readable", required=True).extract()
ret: 2:12
